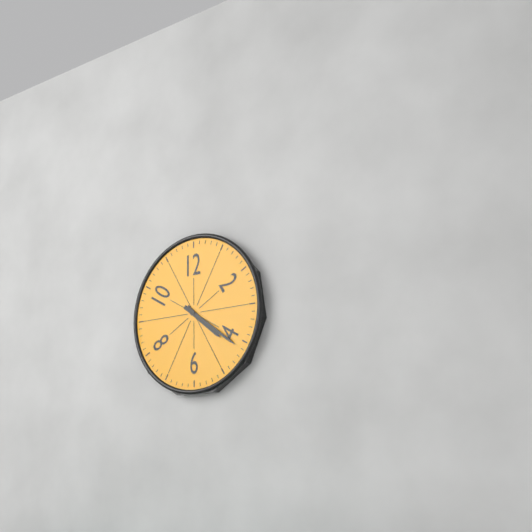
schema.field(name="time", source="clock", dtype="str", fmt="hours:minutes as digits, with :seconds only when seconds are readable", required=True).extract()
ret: 4:21
